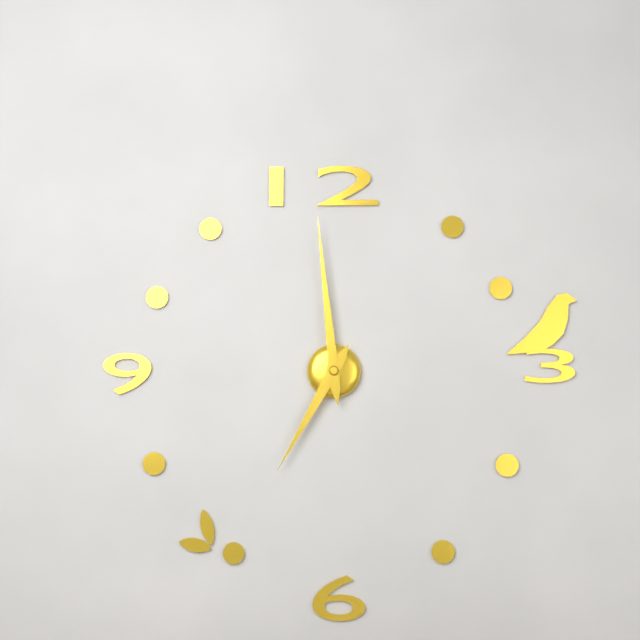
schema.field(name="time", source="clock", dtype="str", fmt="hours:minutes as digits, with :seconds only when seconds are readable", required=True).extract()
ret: 6:59
